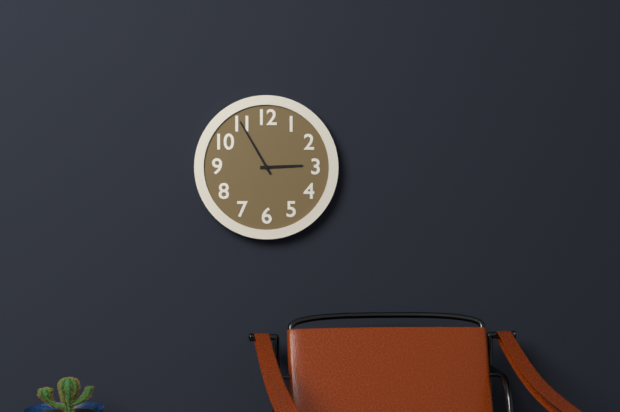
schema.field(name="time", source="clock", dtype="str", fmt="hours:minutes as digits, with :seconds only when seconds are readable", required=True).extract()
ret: 2:55
